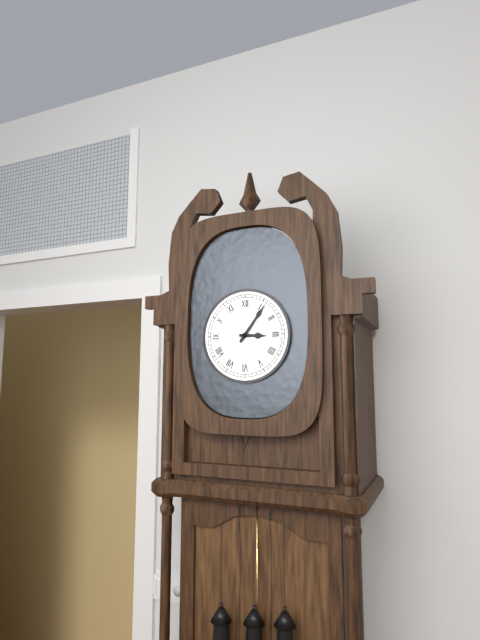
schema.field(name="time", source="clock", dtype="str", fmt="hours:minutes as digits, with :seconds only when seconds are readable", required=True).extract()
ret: 3:06
